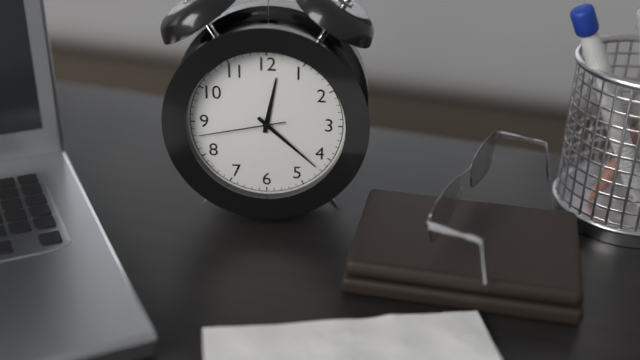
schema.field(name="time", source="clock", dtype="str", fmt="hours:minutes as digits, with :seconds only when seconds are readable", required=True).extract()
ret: 12:22:43
